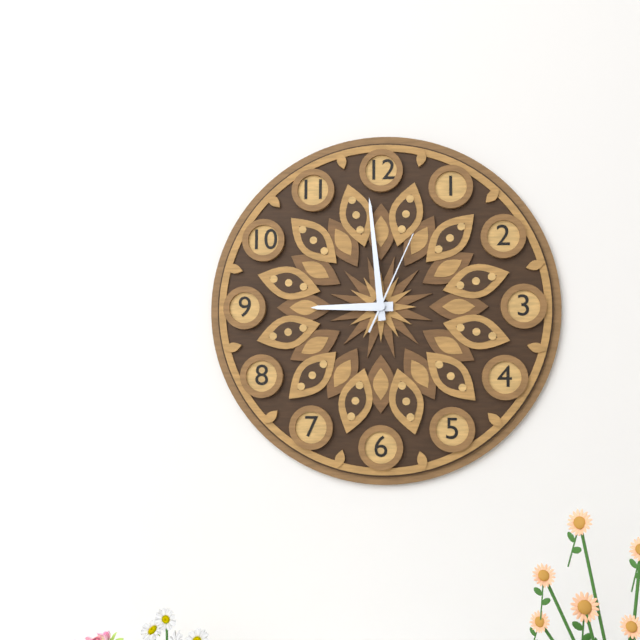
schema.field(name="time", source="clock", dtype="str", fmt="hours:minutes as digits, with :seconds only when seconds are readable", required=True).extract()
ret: 8:59:04
